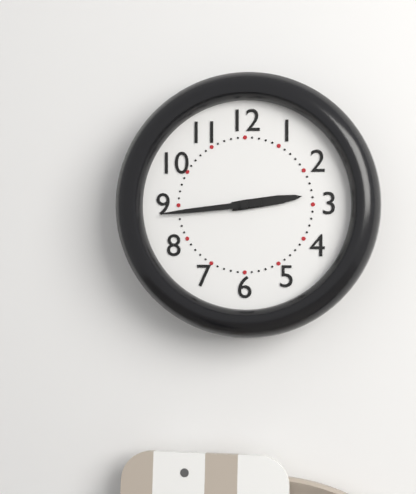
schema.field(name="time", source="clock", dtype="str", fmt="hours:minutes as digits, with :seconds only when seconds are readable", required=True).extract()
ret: 2:44
